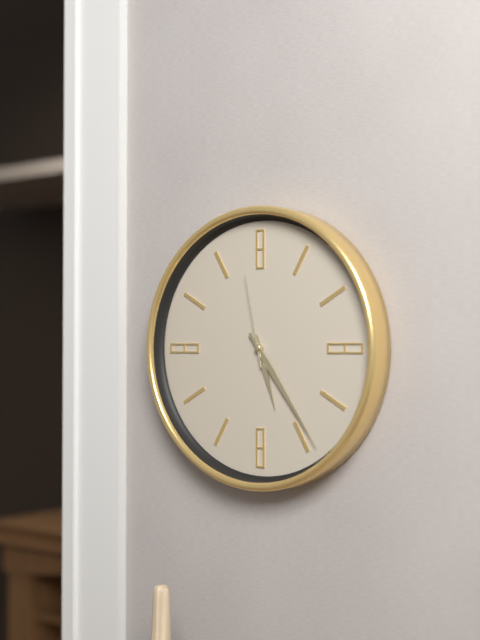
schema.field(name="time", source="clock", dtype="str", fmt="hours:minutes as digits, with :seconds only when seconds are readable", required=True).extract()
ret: 5:24:58
